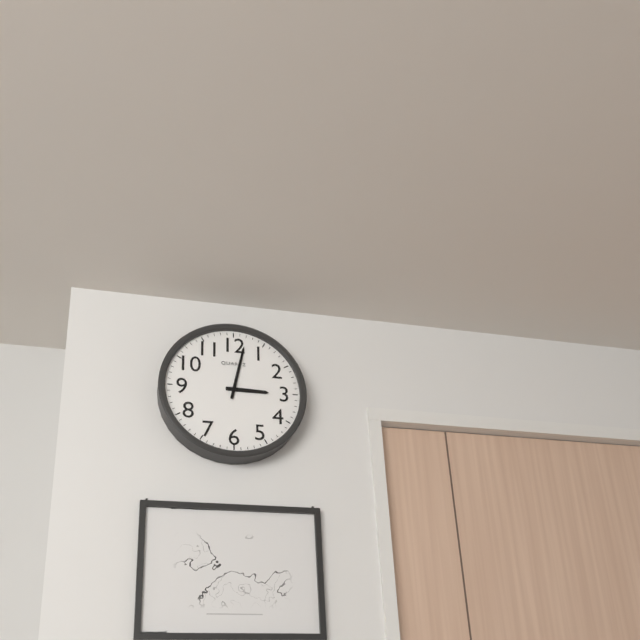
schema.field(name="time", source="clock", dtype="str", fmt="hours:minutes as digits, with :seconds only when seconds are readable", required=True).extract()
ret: 3:02
